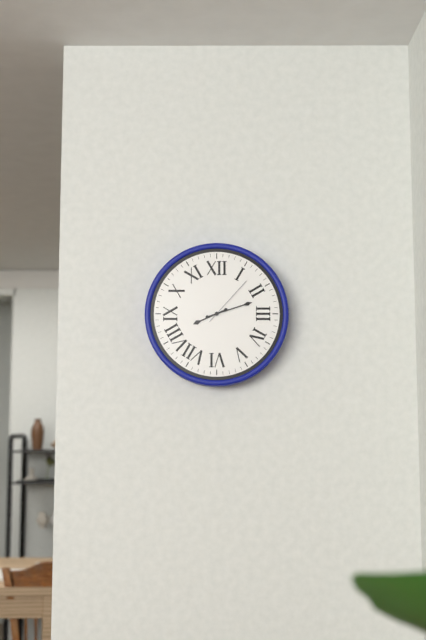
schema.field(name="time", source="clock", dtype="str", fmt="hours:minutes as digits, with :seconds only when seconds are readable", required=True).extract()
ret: 8:12:07
